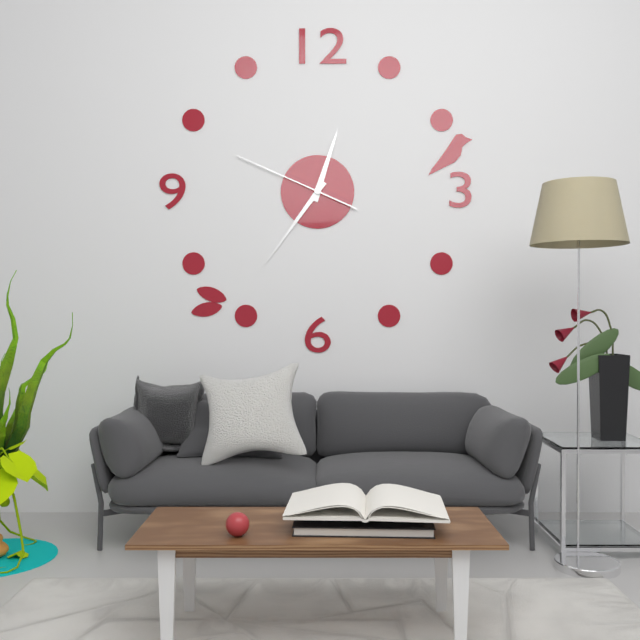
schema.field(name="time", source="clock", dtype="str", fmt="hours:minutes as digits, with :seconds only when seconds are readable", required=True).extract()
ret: 12:36:49
